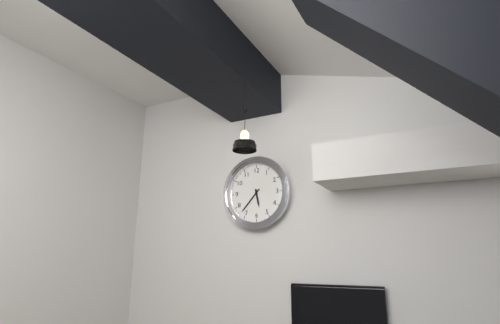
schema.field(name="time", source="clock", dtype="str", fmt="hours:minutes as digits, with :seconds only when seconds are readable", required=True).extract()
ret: 5:37
